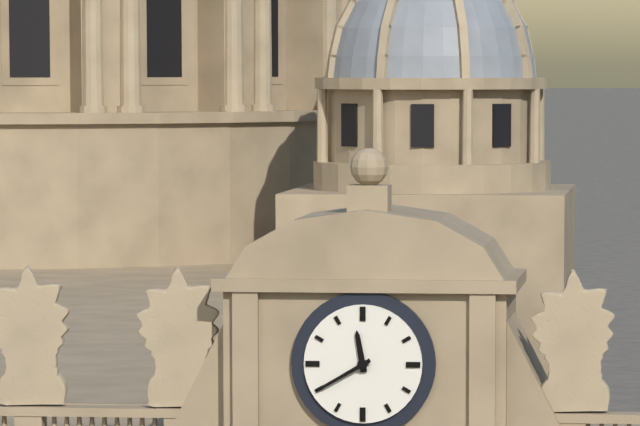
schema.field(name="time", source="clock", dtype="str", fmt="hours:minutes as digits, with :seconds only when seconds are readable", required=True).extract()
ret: 11:40
